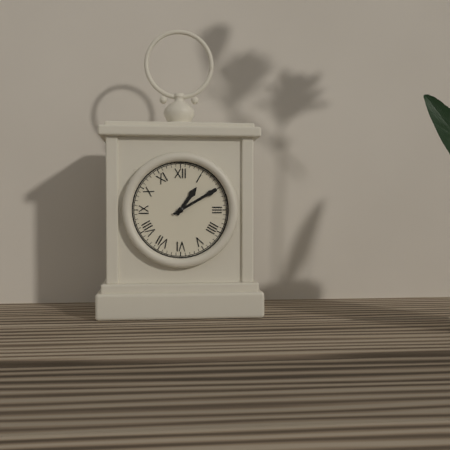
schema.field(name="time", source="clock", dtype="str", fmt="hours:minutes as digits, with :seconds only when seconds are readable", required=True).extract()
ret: 1:10
